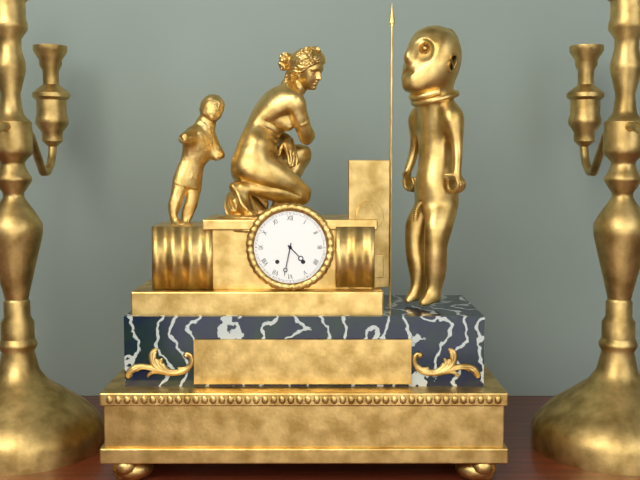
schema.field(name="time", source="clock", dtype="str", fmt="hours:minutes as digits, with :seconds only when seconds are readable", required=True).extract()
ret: 4:32
